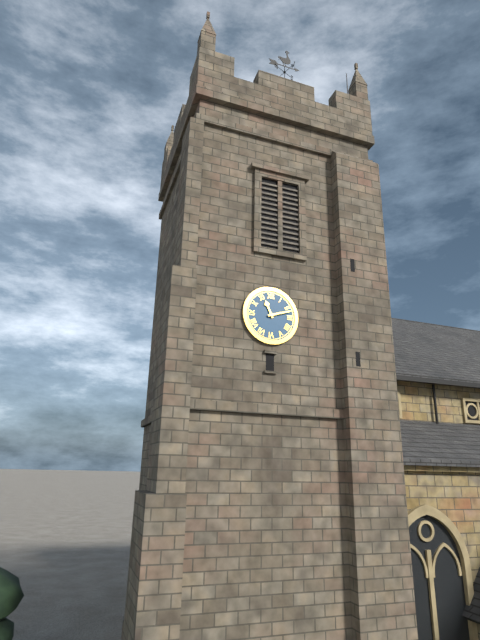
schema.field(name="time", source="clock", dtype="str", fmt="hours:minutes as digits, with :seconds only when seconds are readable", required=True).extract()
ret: 11:12
